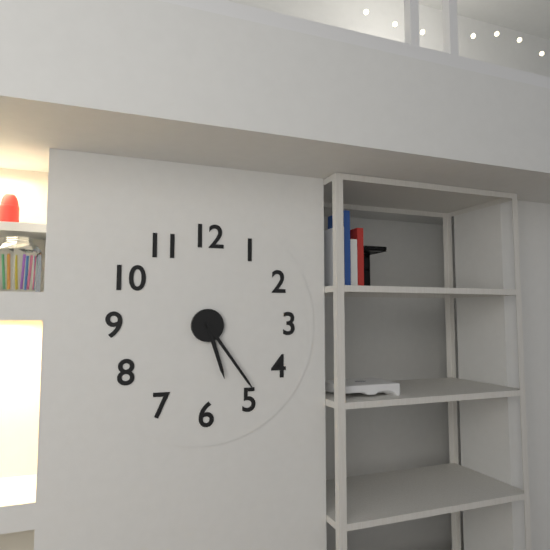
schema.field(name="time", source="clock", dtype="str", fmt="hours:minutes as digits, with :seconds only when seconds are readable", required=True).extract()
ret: 5:24
